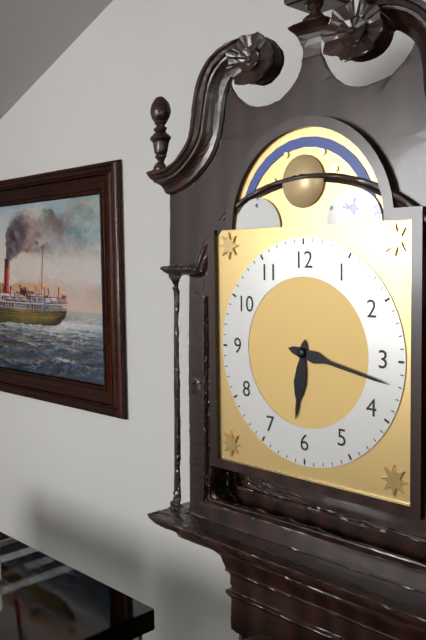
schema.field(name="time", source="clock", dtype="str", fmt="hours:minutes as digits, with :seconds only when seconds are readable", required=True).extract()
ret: 6:17
